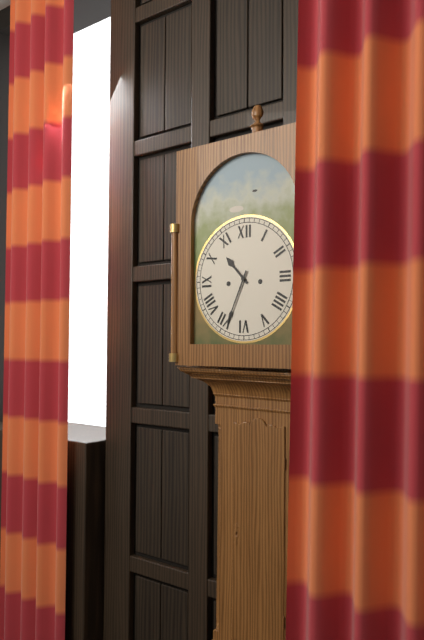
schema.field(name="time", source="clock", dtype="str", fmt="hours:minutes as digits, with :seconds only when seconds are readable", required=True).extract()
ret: 10:34
